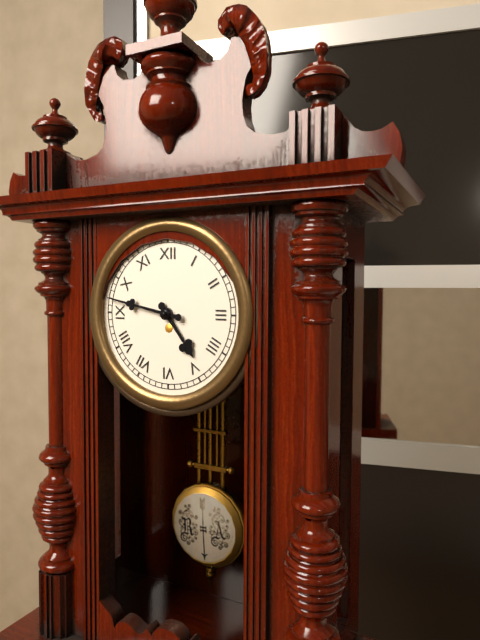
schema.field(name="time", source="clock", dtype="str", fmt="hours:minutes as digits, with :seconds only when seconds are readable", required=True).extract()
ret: 4:47
